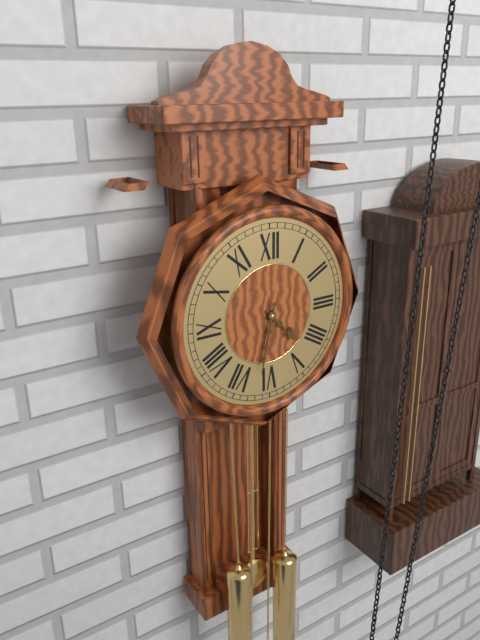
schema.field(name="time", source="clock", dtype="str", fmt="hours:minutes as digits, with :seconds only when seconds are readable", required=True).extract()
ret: 4:32
